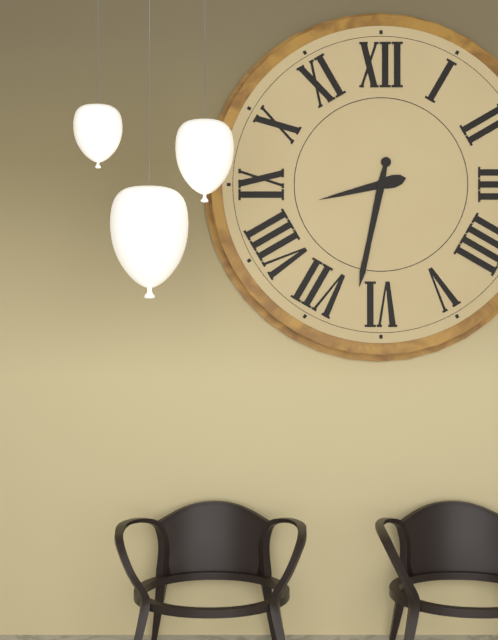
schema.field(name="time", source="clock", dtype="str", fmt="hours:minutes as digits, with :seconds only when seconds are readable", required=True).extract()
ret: 8:32
